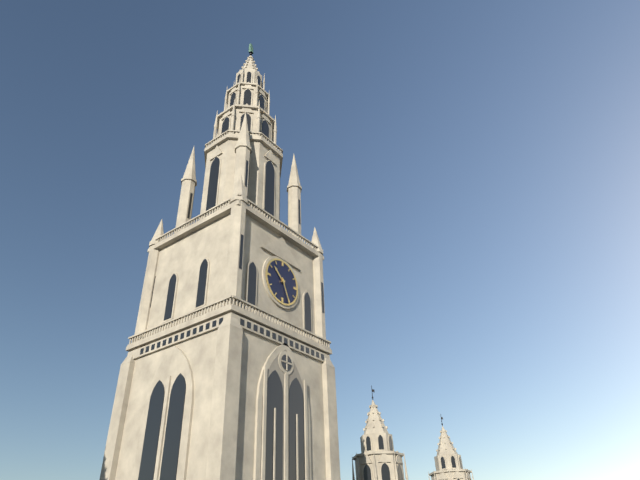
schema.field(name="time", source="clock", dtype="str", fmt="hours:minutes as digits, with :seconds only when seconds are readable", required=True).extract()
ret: 10:26
